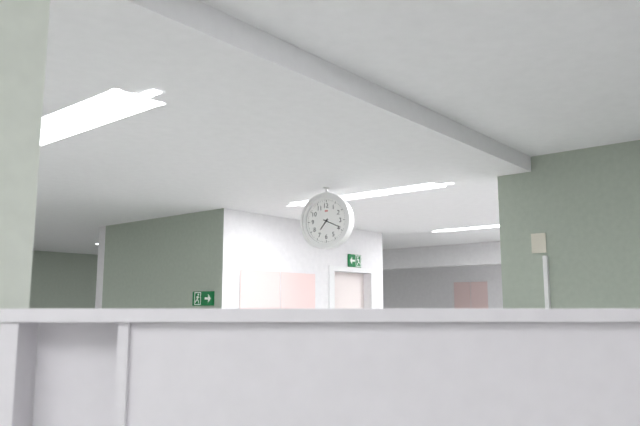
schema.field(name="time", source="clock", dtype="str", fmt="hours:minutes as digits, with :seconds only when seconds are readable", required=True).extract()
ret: 7:19
